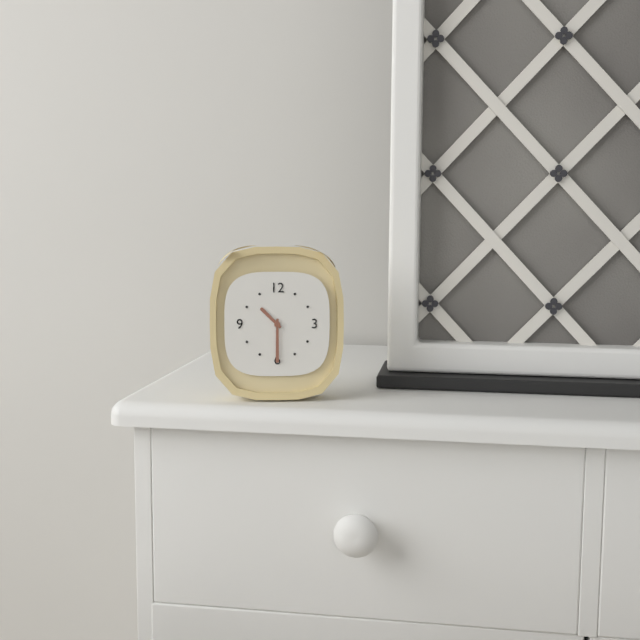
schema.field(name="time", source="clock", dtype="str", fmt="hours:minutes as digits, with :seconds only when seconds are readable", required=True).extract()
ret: 10:30
